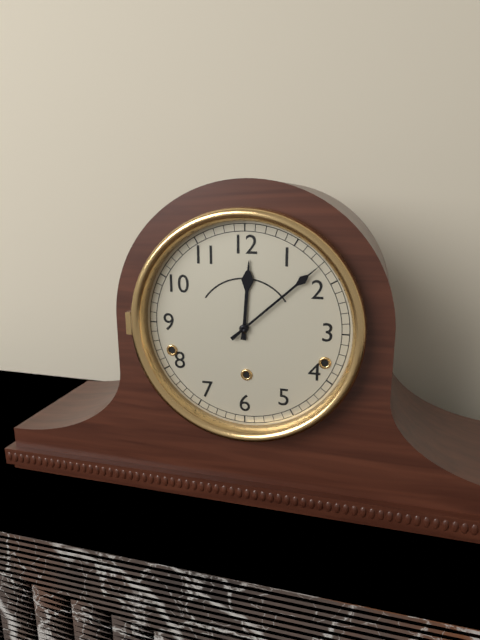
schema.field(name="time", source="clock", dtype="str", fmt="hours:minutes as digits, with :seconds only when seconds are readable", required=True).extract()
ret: 12:08
